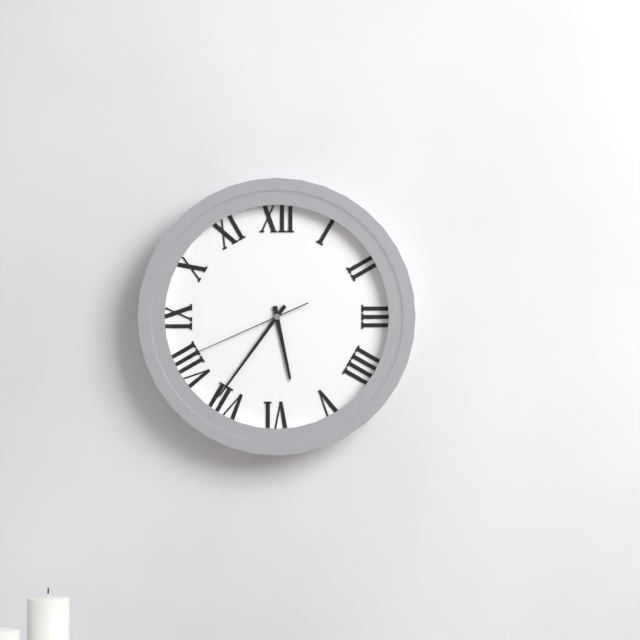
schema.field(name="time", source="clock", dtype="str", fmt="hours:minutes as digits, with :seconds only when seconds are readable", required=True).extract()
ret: 5:36:41
